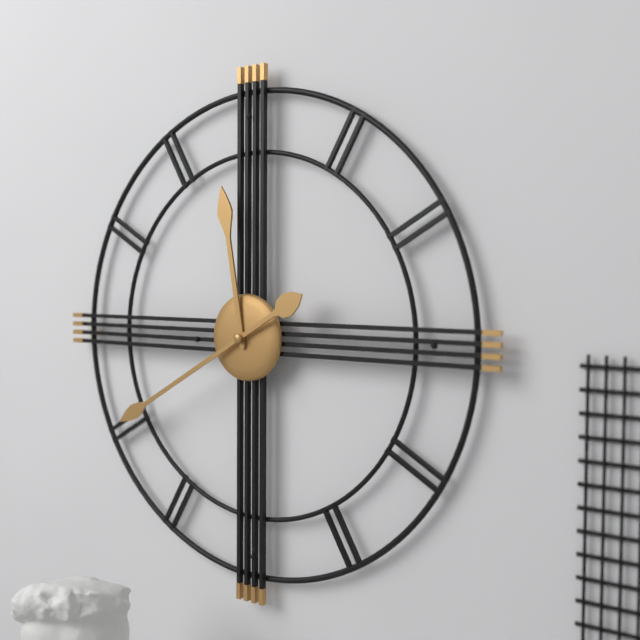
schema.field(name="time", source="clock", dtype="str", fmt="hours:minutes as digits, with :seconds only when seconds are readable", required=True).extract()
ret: 11:40
